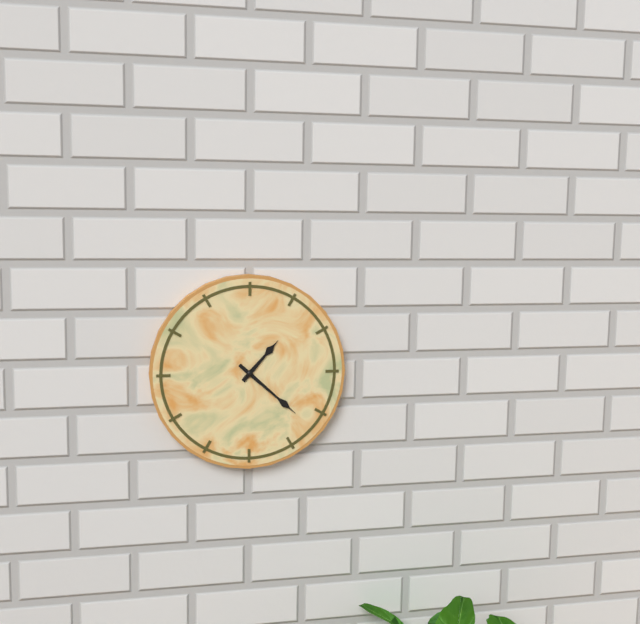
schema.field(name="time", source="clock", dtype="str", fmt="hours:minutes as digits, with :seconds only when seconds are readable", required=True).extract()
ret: 1:22
